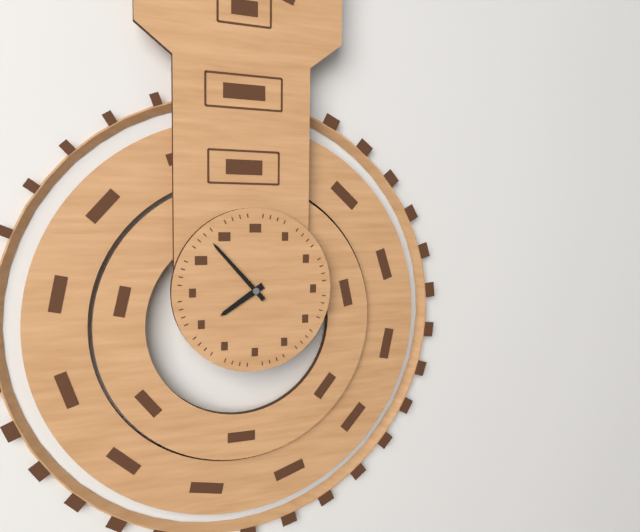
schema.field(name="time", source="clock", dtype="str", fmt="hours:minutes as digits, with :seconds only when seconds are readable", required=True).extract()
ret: 7:53
